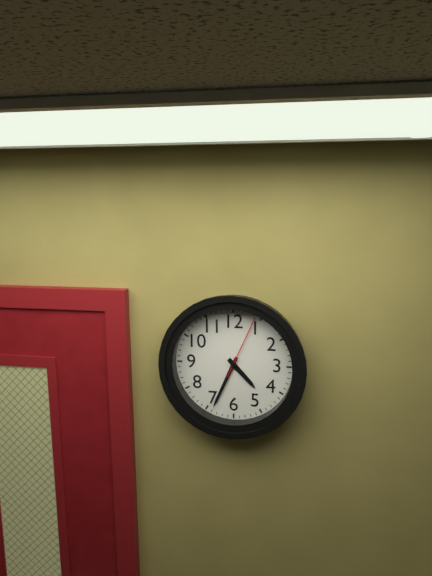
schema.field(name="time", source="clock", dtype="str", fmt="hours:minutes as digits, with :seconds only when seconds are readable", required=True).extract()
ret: 4:34:04
